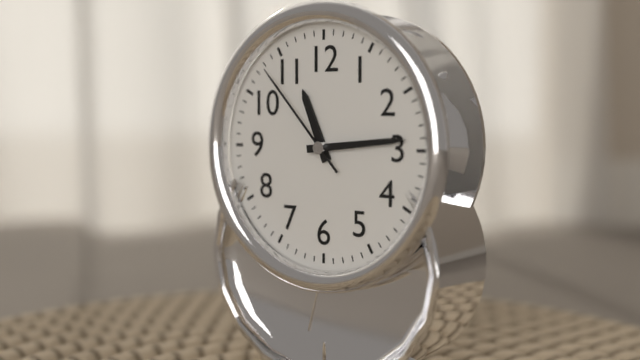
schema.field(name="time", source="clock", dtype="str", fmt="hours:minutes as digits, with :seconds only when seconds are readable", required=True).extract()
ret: 11:14:53
